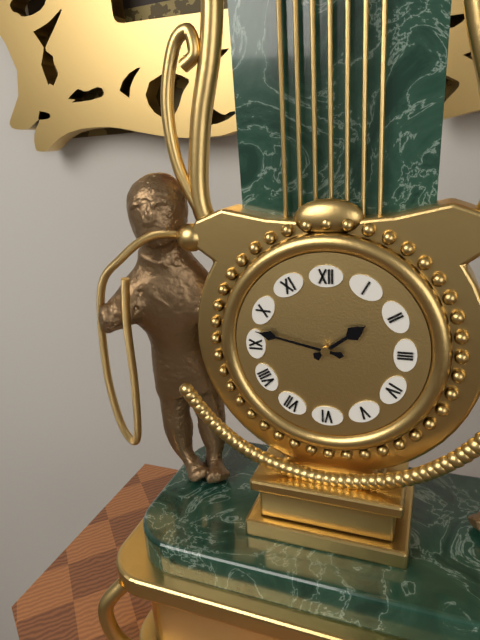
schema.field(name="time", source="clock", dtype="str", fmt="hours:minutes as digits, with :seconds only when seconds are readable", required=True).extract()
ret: 1:47
